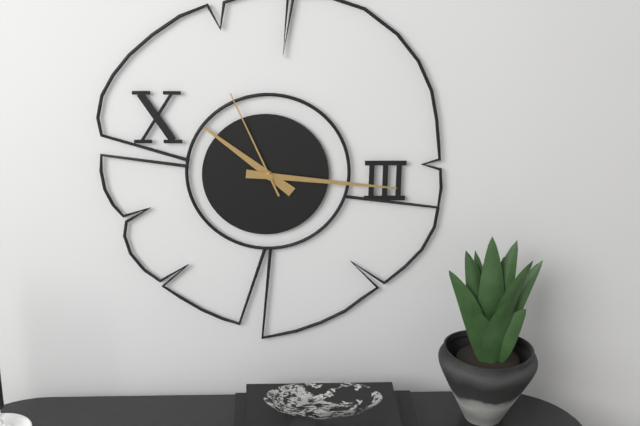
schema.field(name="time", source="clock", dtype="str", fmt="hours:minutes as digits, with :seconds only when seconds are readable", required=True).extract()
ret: 10:16:56
